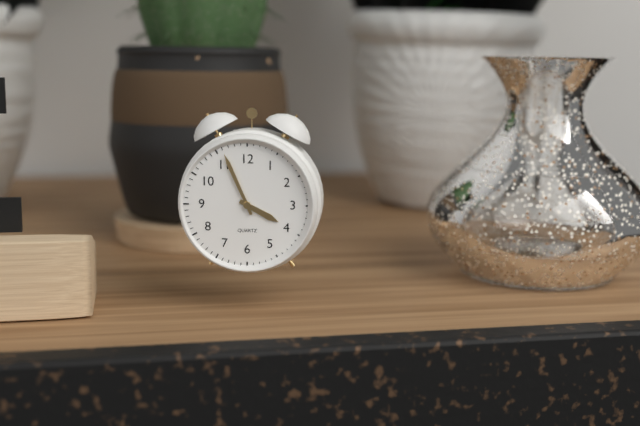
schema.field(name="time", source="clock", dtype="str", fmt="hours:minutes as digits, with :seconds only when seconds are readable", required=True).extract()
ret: 3:56
